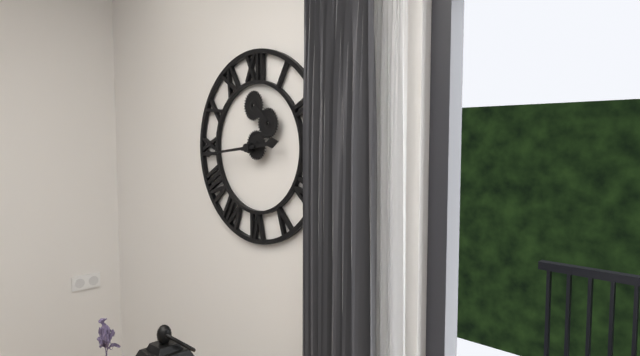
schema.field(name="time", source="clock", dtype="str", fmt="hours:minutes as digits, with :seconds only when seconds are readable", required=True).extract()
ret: 2:44
